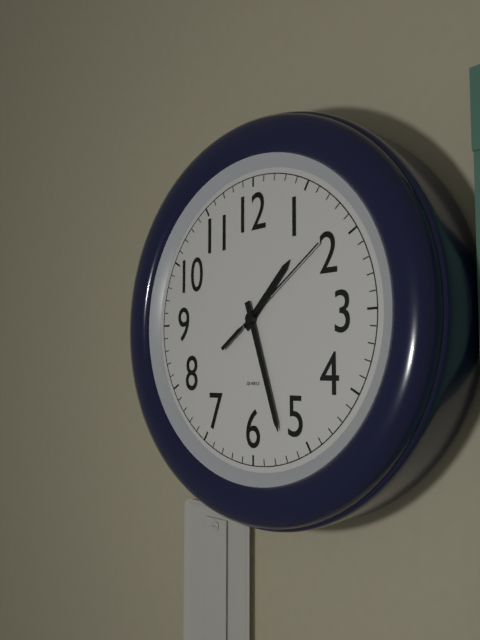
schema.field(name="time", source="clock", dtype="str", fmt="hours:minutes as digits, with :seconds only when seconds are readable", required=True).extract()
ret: 1:27:09
